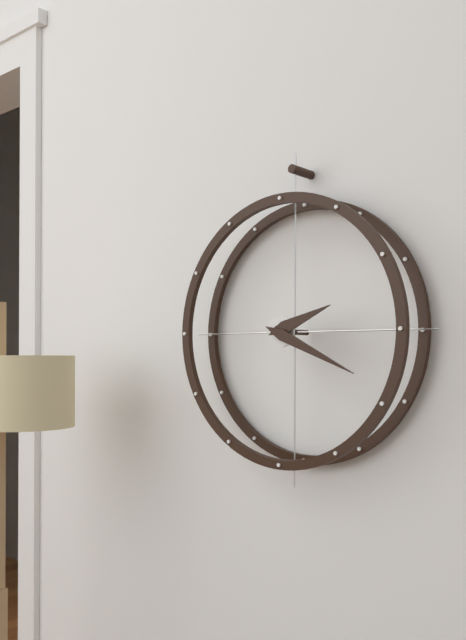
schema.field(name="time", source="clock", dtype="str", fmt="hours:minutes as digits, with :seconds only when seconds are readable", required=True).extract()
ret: 2:19
